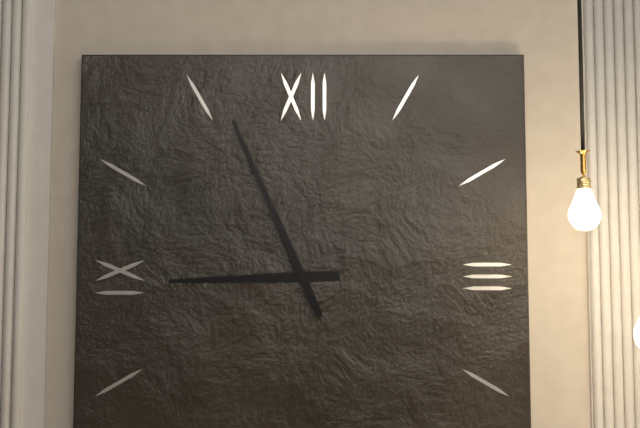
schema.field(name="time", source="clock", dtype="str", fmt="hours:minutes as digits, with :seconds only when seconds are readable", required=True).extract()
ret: 8:56
